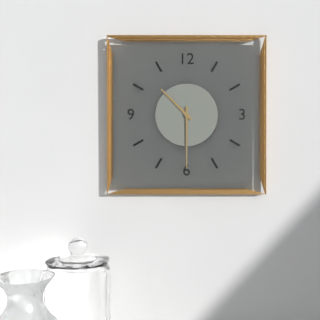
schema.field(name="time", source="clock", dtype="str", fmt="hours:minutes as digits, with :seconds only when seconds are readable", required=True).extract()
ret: 10:30
